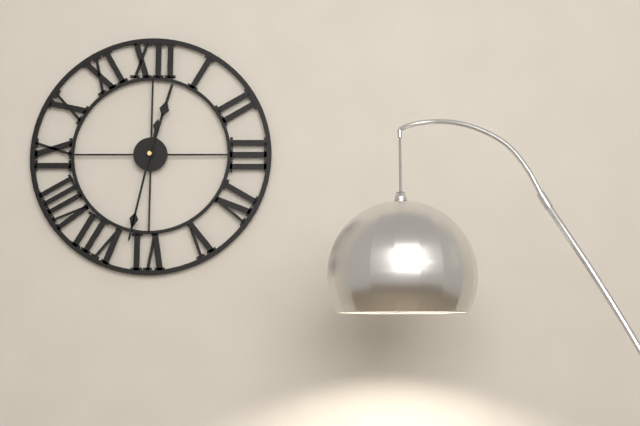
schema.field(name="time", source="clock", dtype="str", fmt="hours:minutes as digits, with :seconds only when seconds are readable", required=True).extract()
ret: 12:32
